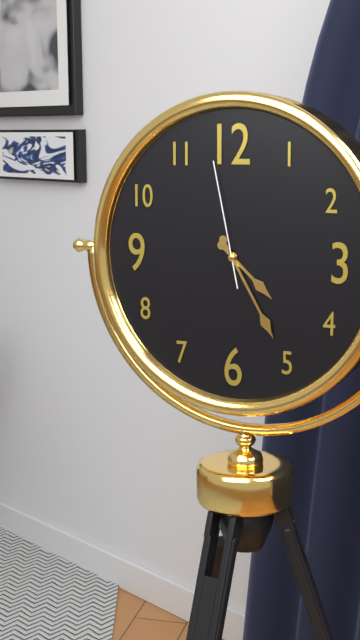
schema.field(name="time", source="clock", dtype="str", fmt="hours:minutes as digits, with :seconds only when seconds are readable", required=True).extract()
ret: 4:25:58
